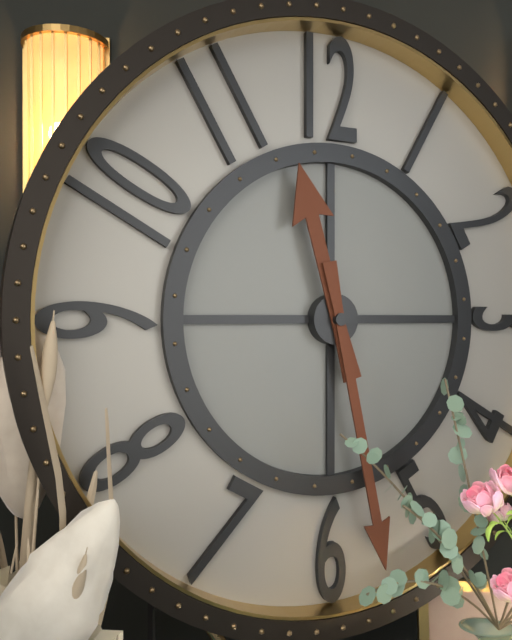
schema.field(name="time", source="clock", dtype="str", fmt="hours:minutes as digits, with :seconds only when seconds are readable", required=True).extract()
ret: 11:28
